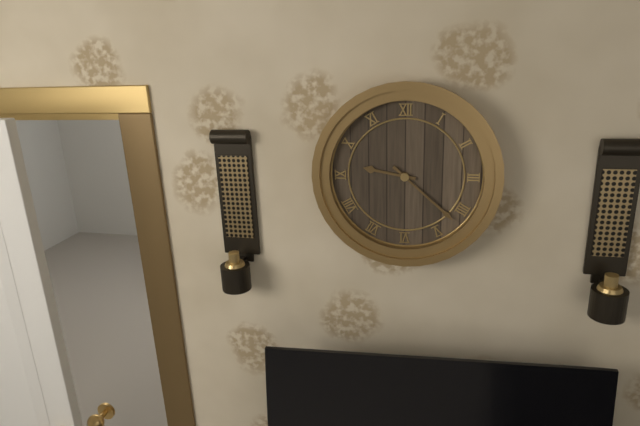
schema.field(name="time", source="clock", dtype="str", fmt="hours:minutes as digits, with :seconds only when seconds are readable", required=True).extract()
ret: 9:22
